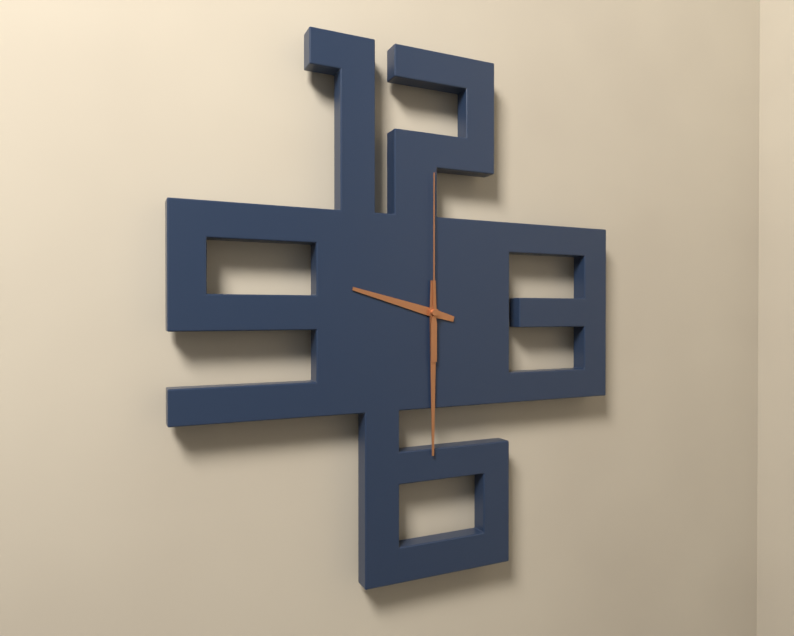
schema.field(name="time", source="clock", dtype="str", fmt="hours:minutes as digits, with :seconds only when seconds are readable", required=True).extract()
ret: 9:30:00
